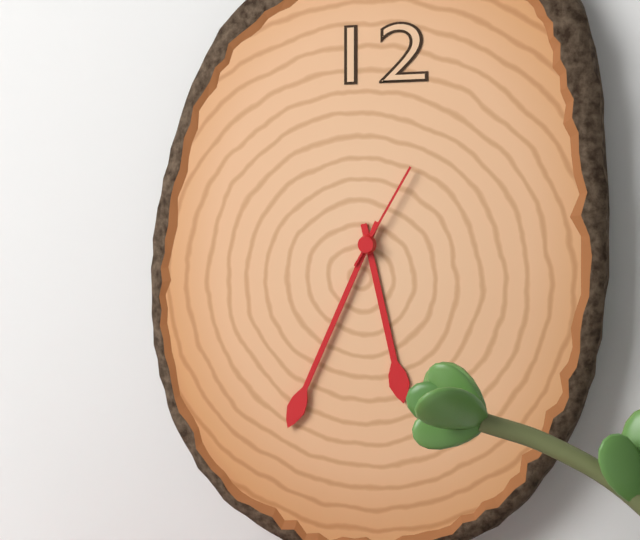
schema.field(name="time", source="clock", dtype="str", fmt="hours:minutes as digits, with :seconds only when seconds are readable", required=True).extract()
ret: 5:34:05
